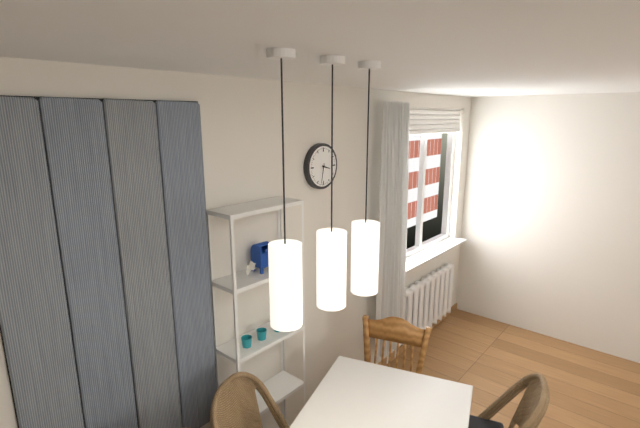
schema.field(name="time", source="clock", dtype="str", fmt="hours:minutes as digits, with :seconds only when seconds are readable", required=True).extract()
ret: 3:32
